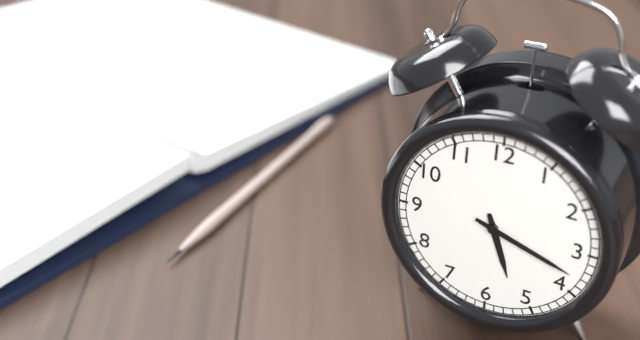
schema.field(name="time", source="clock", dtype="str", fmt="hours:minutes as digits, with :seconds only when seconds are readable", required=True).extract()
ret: 5:18
